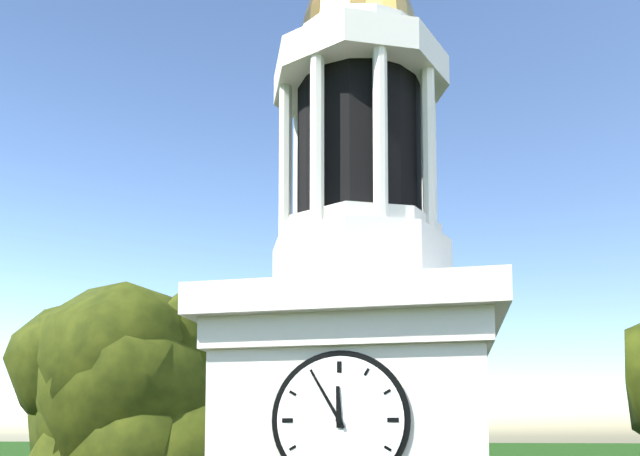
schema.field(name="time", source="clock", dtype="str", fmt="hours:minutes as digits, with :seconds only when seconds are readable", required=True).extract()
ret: 11:55
